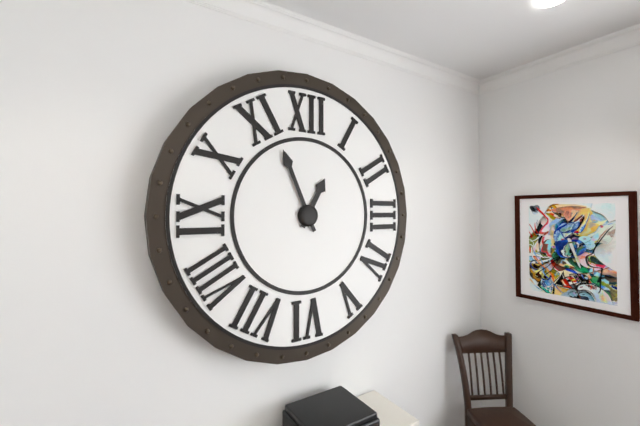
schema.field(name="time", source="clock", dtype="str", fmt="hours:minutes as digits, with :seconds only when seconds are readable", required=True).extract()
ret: 12:56
